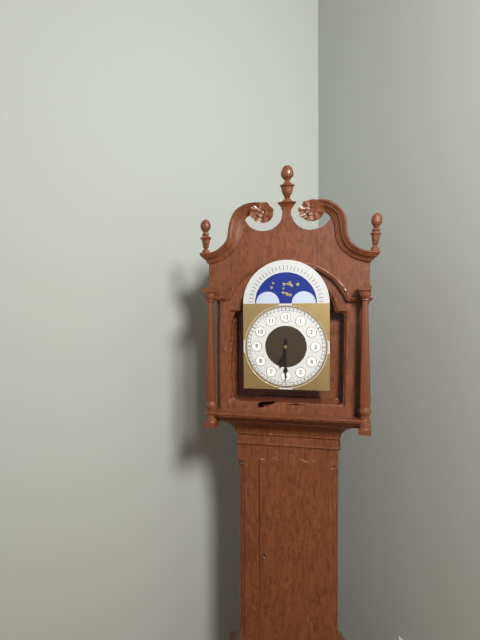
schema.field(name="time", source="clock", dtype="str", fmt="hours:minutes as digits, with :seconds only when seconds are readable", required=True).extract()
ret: 6:30
